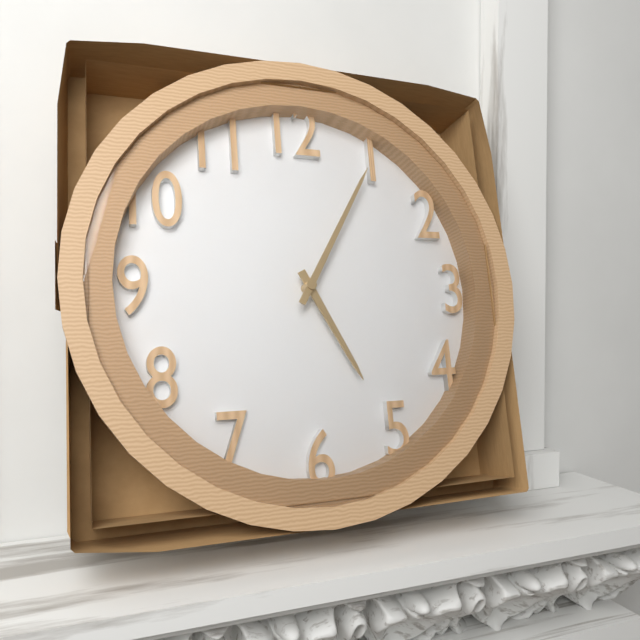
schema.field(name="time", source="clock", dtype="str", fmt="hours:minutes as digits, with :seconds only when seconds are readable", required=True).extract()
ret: 5:05
